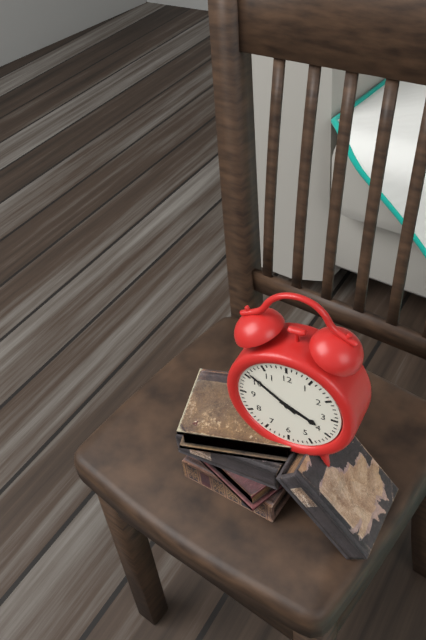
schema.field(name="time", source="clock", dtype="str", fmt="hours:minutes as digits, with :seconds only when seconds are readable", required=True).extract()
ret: 3:51
